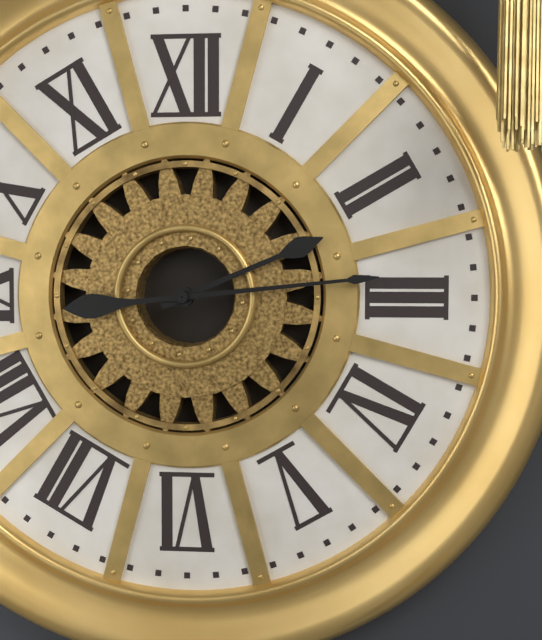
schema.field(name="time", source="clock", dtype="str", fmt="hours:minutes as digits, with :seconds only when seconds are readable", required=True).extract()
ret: 2:14
